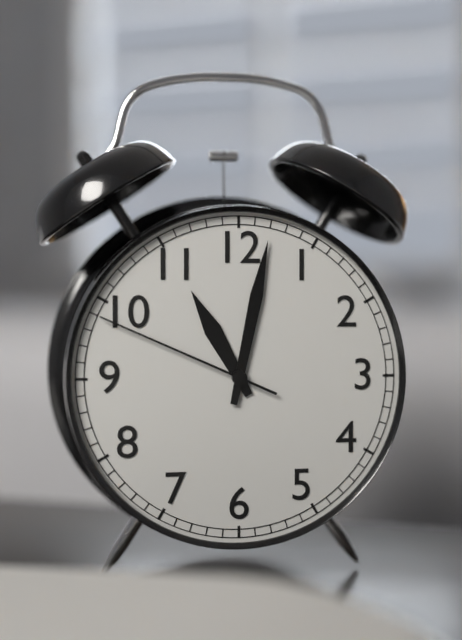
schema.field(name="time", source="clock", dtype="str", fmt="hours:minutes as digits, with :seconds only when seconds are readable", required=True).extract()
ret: 11:02:49
